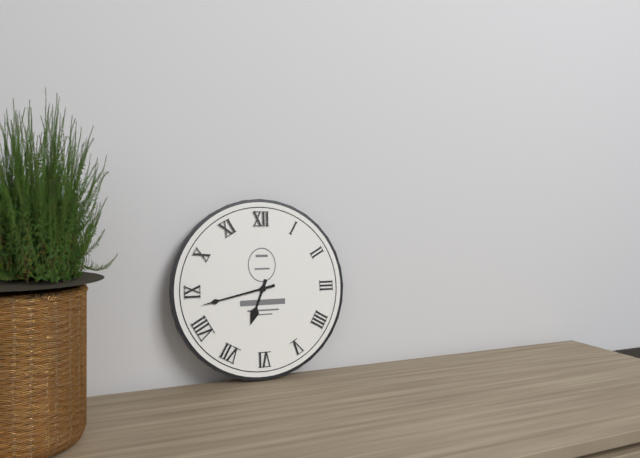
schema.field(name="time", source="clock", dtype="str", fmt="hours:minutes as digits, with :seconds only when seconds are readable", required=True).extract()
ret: 6:43
